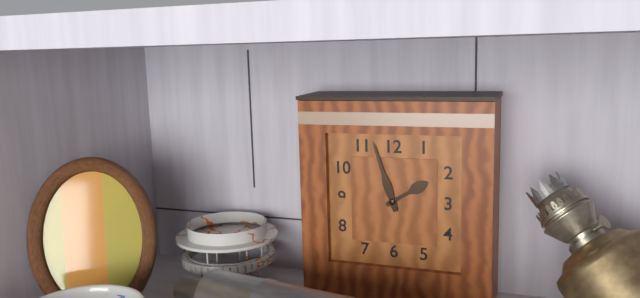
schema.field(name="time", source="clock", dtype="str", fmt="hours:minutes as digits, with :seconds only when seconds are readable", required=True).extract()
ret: 1:57
